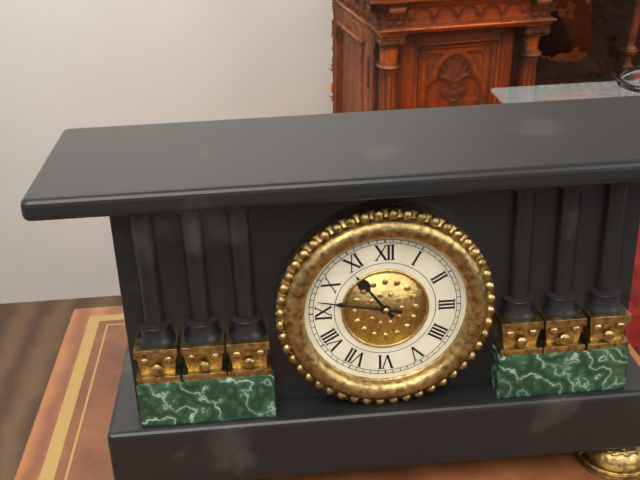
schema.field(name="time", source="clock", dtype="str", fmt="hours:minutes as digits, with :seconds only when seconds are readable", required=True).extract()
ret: 10:47
